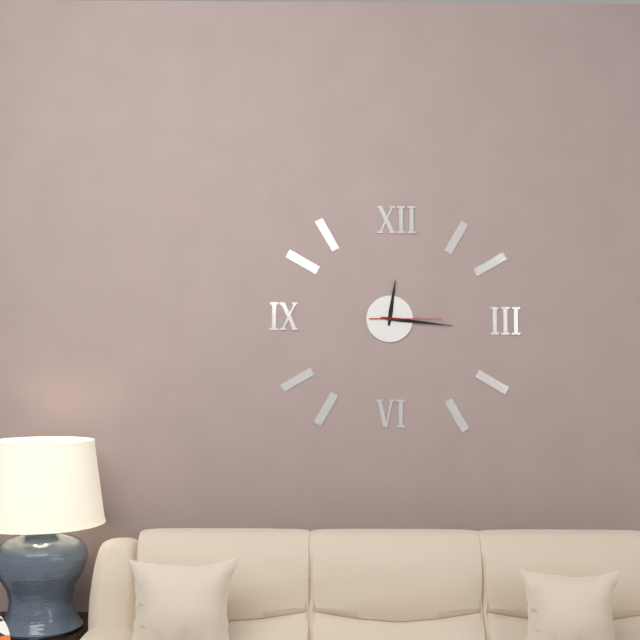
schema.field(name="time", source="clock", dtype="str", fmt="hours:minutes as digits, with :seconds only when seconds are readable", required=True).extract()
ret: 12:16:15
